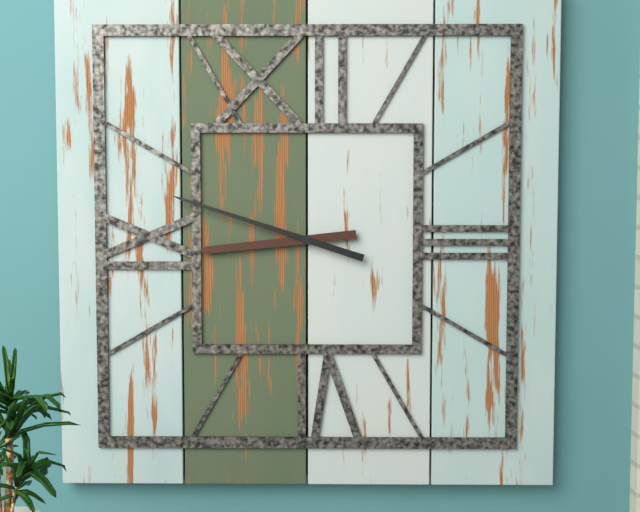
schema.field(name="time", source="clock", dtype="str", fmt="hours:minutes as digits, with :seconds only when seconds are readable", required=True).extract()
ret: 8:48
